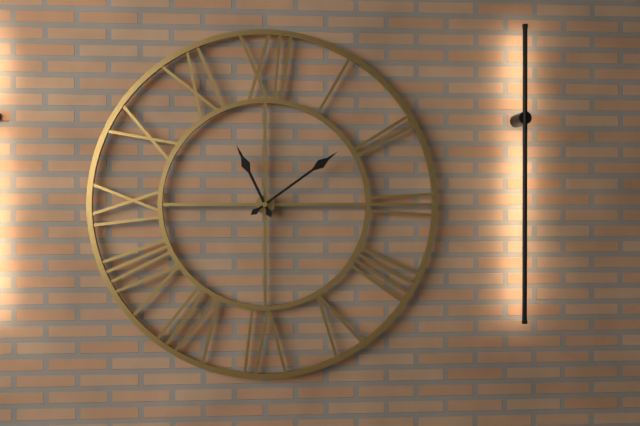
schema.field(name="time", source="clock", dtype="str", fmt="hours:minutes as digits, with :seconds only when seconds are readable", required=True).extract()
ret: 11:09
